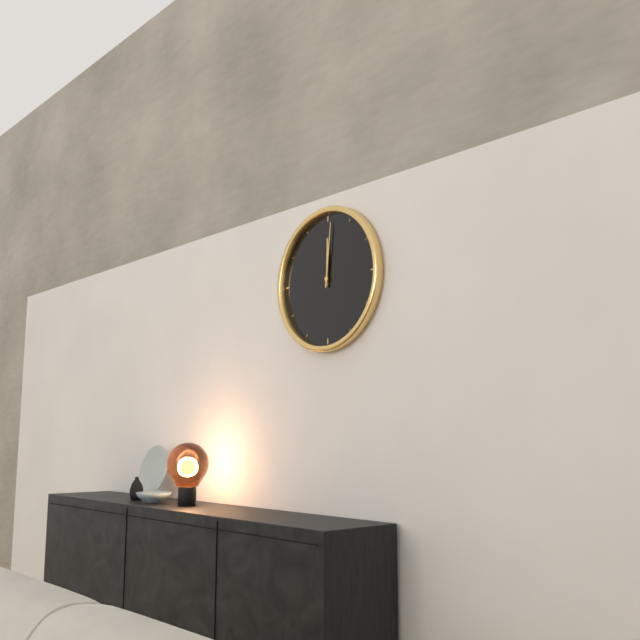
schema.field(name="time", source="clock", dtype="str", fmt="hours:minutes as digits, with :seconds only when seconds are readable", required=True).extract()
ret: 12:01
